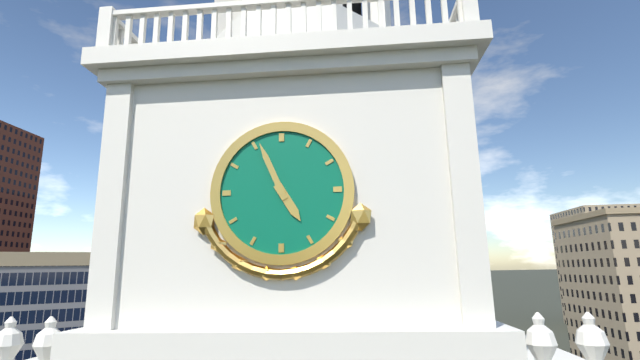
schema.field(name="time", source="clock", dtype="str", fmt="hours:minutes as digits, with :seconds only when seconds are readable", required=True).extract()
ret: 4:56
